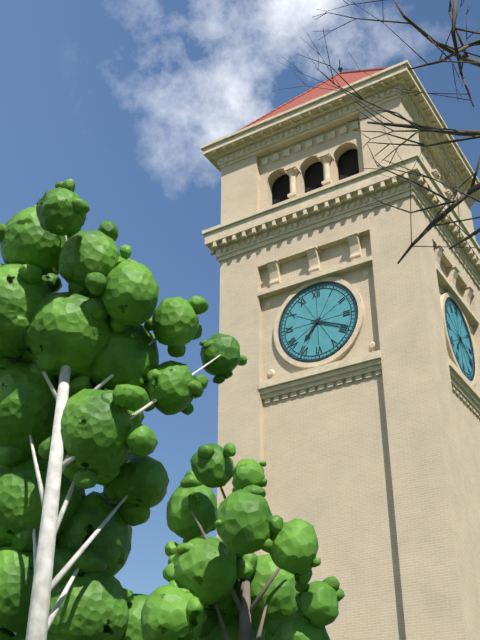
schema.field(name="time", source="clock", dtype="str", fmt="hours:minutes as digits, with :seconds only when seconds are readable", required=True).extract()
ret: 7:19
